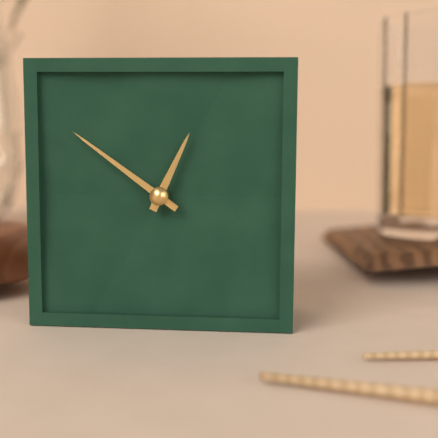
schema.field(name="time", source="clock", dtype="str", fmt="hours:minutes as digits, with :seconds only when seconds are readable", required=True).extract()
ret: 12:51
